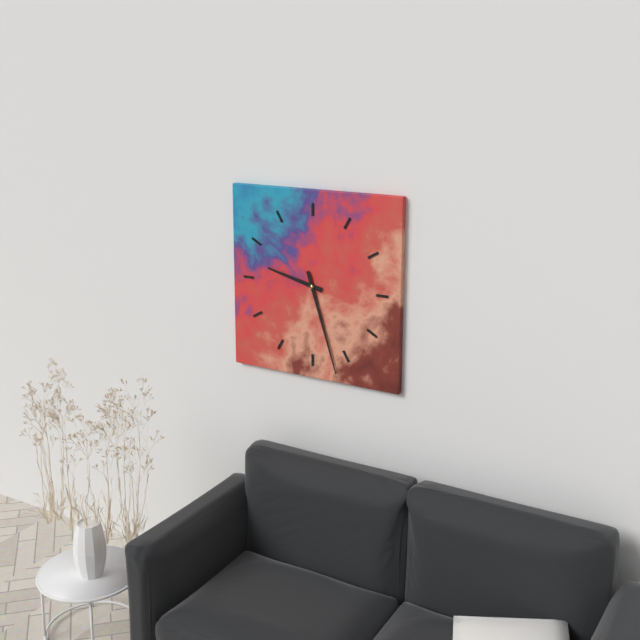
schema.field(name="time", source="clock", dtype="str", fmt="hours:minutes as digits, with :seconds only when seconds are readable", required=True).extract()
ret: 9:27
